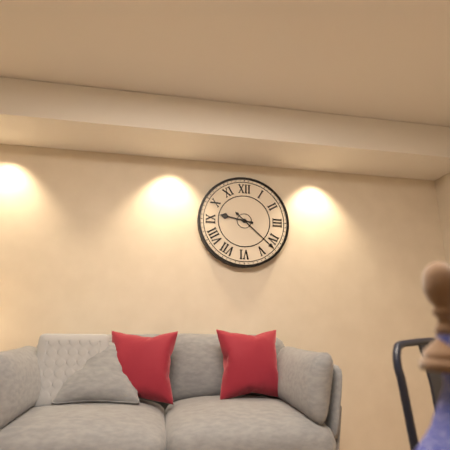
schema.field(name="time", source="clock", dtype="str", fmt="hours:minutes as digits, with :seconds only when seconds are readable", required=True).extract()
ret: 9:22
